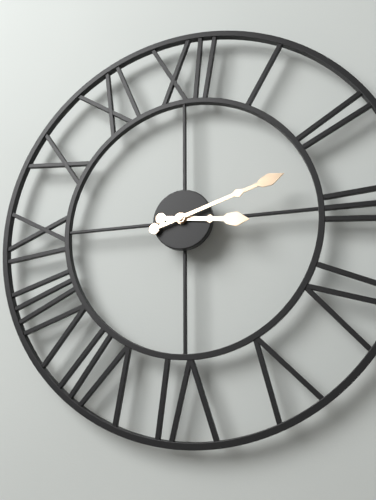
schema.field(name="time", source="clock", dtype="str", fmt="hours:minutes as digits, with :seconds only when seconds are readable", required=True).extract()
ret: 3:12
